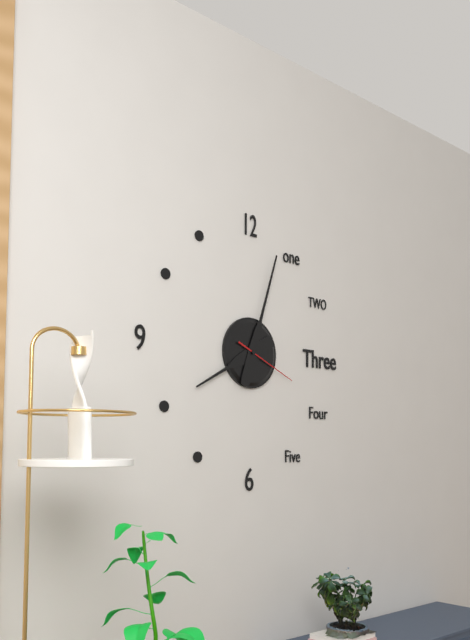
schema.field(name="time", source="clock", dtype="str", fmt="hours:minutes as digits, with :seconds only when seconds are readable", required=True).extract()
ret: 8:03:19
